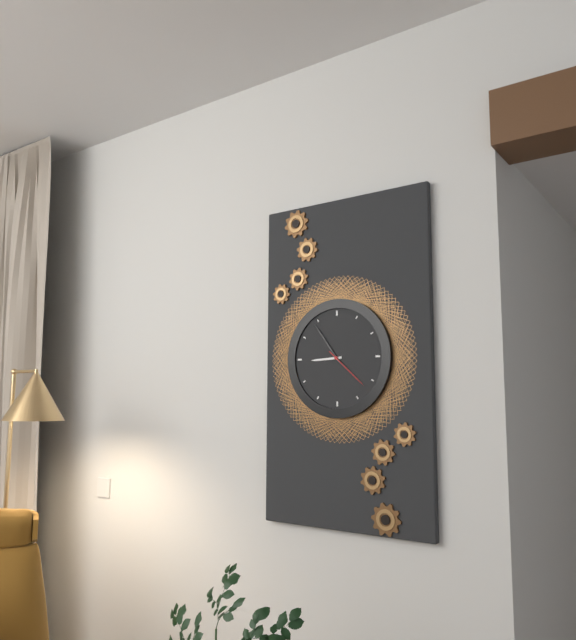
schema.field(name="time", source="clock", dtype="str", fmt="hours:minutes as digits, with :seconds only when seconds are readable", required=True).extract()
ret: 8:54
